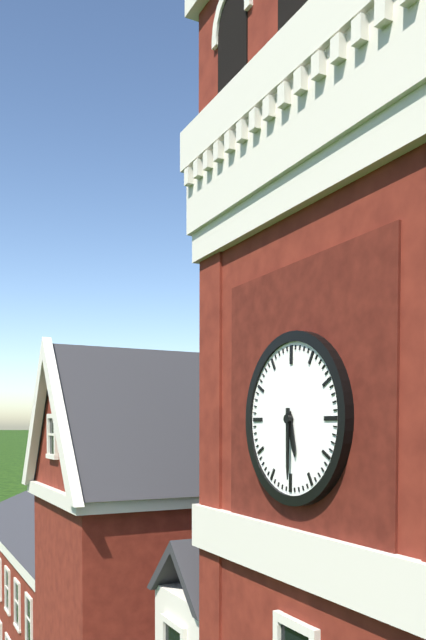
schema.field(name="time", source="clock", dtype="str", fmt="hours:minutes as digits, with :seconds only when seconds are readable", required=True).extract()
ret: 5:30
